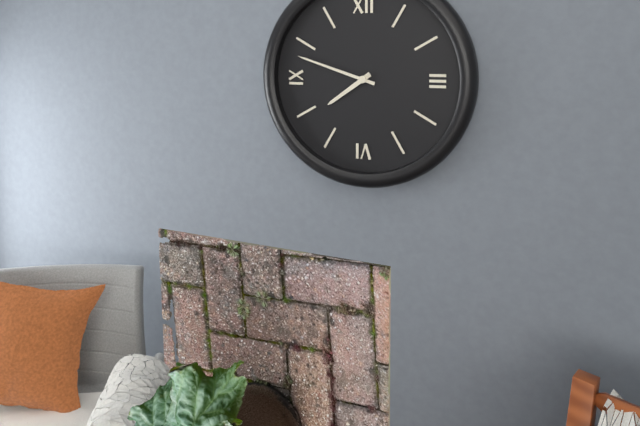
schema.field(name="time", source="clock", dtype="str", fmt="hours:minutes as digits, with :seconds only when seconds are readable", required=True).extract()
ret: 7:48
